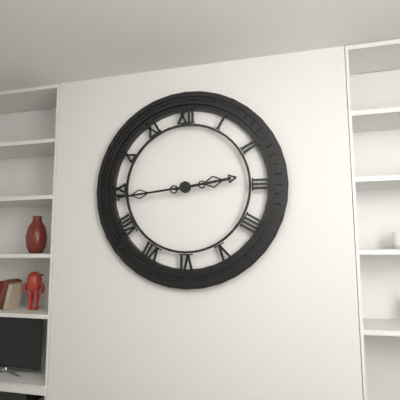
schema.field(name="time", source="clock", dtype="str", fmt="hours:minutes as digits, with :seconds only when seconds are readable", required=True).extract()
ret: 2:44
